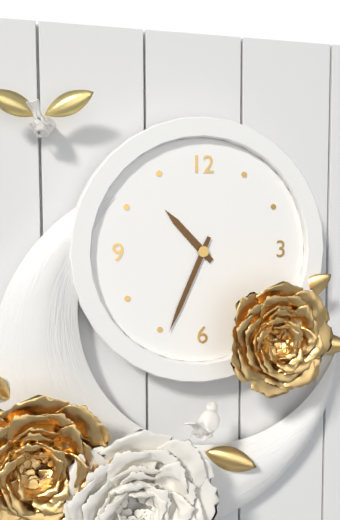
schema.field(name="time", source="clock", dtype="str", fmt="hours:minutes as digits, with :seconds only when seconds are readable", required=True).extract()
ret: 10:34
